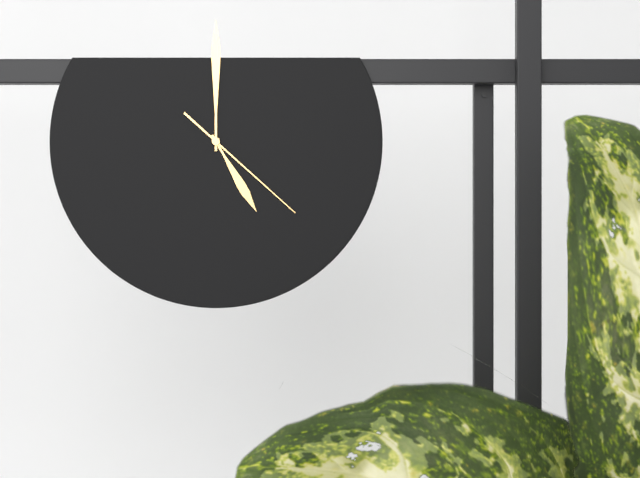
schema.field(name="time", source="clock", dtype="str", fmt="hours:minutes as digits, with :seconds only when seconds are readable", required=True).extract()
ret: 5:00:22
